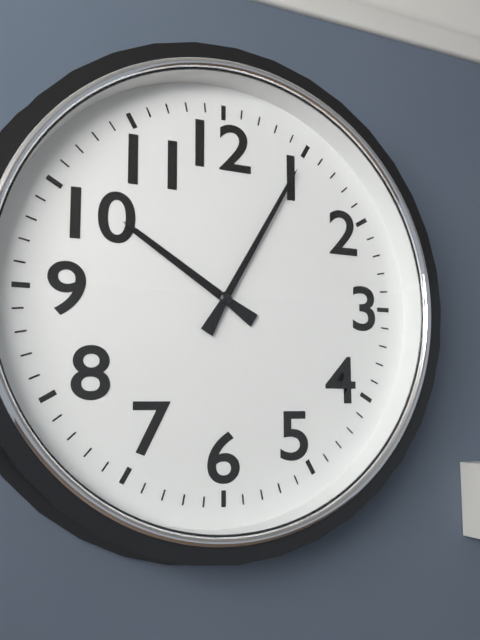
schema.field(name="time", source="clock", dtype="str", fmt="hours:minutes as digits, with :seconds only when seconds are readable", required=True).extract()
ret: 10:05
